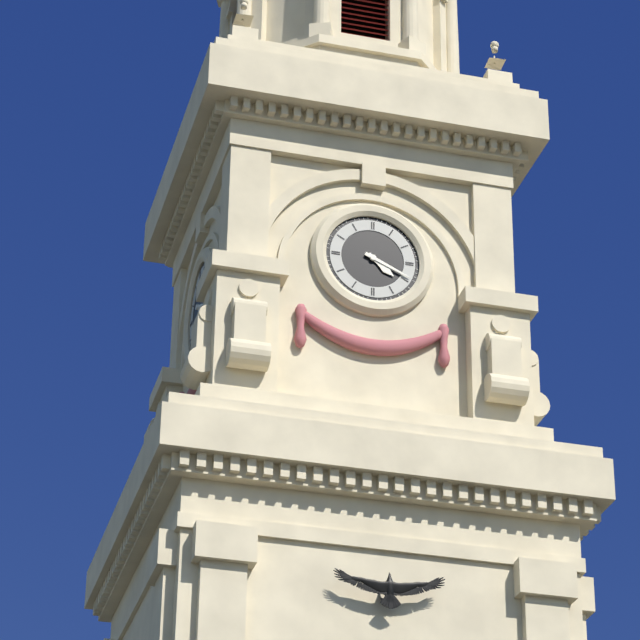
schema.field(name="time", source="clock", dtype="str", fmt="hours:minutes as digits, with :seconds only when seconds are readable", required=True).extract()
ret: 4:19
